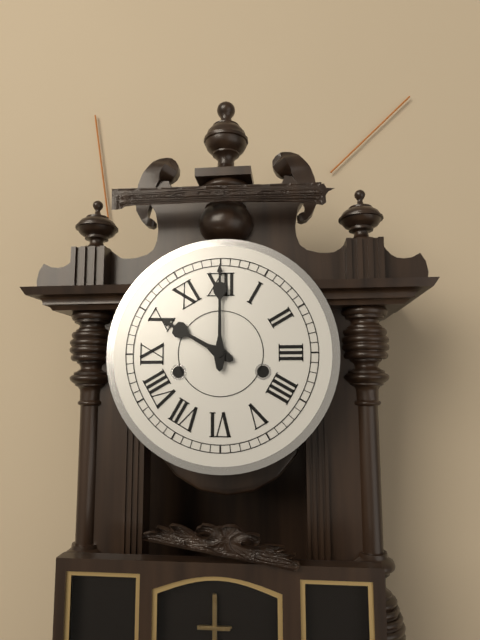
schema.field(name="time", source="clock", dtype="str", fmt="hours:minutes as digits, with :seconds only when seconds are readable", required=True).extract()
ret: 10:00
